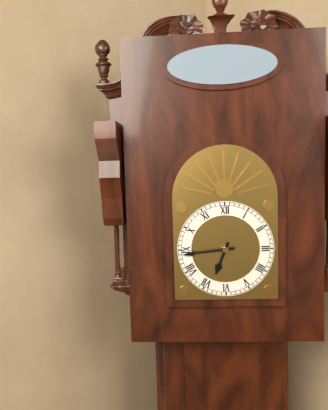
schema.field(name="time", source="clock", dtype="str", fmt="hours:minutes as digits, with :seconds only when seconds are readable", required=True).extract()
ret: 6:44
